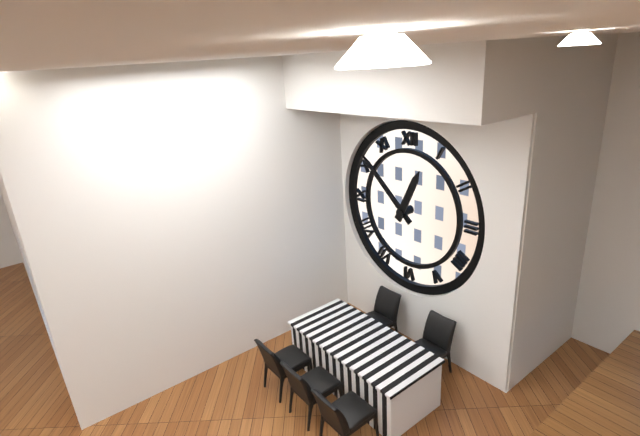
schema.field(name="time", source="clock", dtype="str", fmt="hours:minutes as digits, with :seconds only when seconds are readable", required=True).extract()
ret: 12:52
